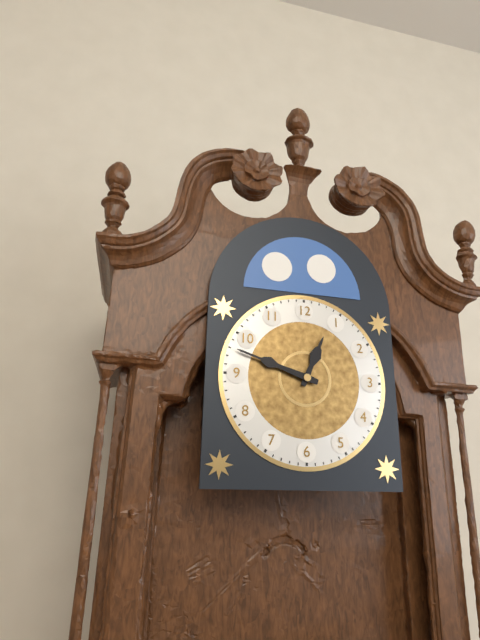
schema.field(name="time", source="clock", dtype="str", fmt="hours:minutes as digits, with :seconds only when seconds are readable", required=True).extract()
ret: 12:48
